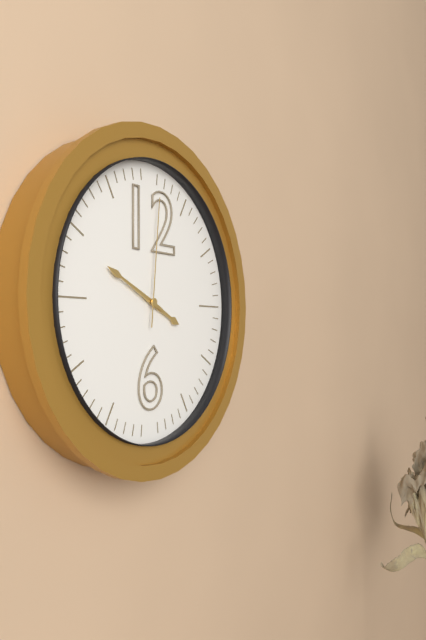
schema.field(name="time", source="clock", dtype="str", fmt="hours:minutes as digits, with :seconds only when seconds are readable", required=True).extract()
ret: 3:49:01
